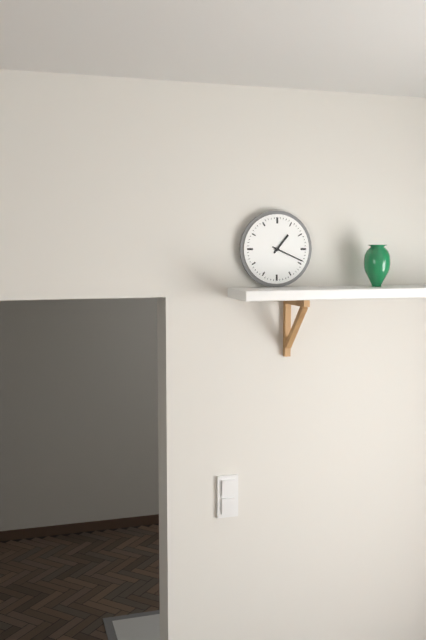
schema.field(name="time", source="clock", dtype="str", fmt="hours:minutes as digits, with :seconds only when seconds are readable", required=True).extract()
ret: 1:19
